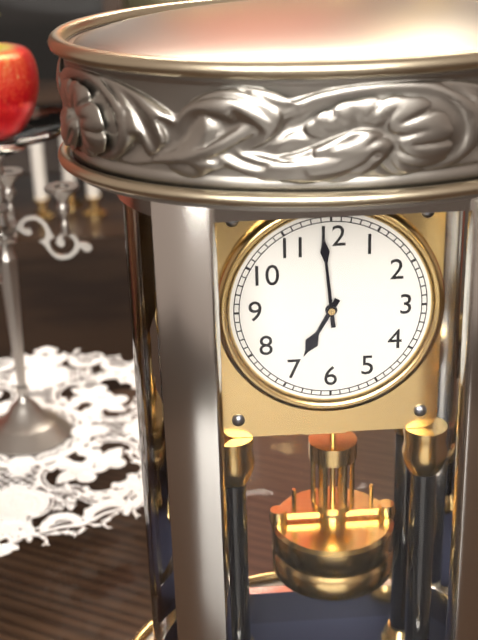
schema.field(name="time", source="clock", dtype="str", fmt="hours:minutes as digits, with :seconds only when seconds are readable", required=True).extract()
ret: 6:59
